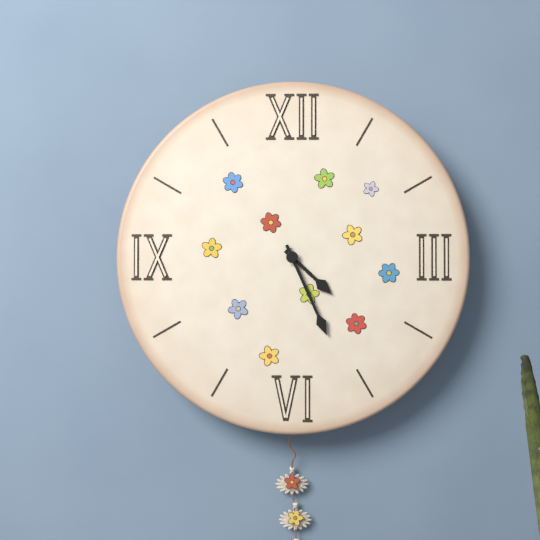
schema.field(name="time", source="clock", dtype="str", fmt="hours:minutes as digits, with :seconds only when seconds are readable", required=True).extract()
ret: 4:26
